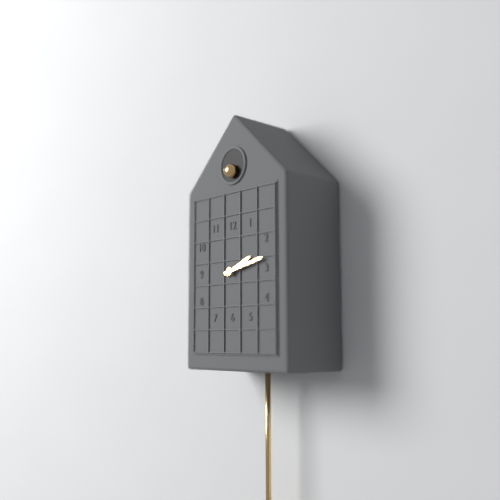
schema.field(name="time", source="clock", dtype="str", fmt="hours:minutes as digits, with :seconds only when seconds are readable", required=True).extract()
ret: 2:13
